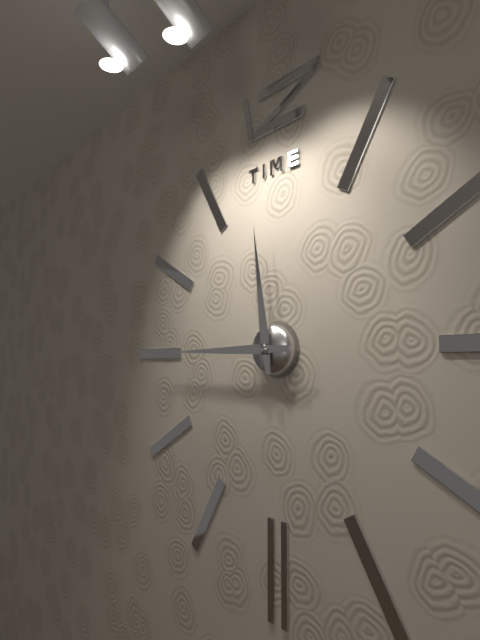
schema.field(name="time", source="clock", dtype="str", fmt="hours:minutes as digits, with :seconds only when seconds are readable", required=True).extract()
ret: 11:45
